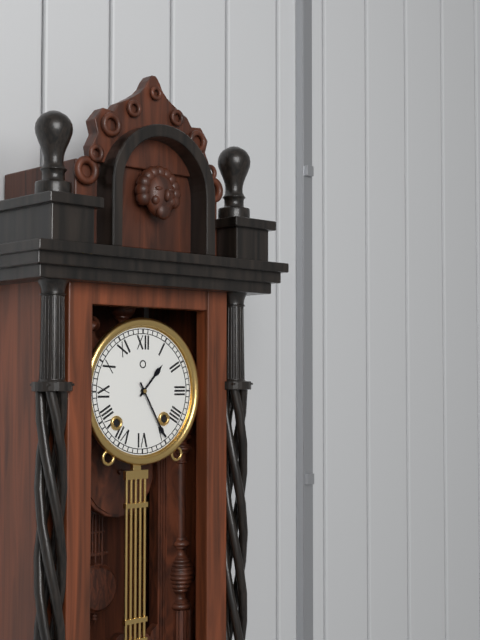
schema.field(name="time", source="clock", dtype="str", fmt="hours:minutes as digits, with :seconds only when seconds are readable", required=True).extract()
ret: 1:25
